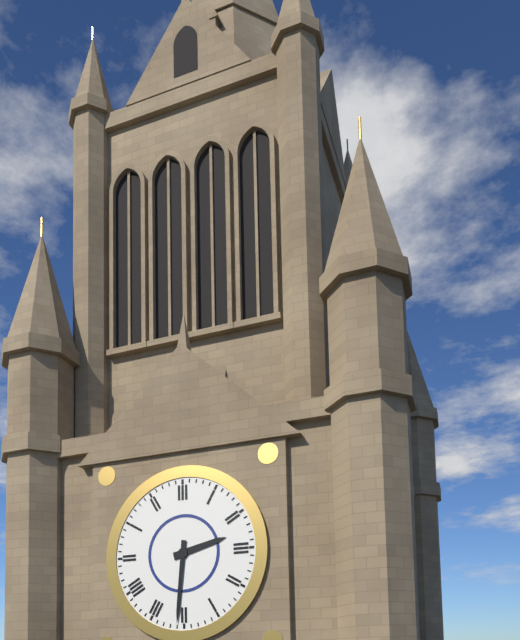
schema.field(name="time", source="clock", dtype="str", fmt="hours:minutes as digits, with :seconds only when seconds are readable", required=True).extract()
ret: 2:31
